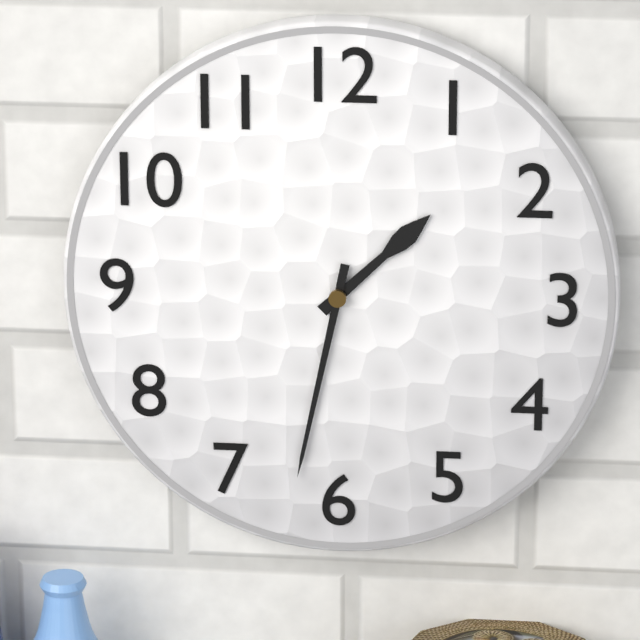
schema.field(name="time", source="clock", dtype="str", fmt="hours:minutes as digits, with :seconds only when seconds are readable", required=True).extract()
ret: 1:32
